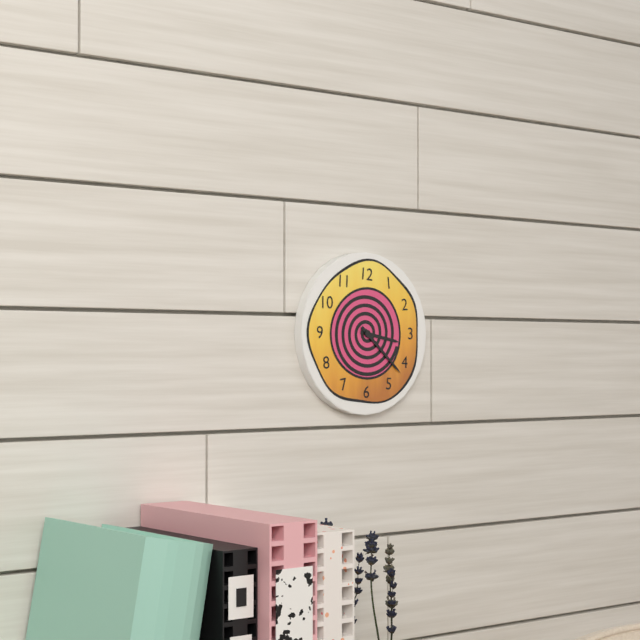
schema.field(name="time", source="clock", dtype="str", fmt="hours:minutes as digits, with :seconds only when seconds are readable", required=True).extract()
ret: 3:22
